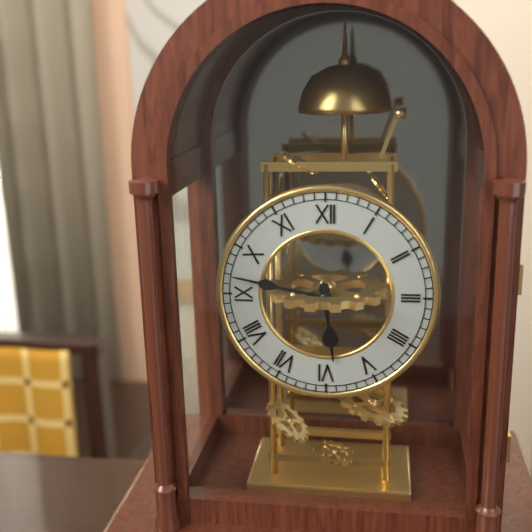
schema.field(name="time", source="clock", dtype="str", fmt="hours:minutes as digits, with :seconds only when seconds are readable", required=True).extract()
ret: 5:47
